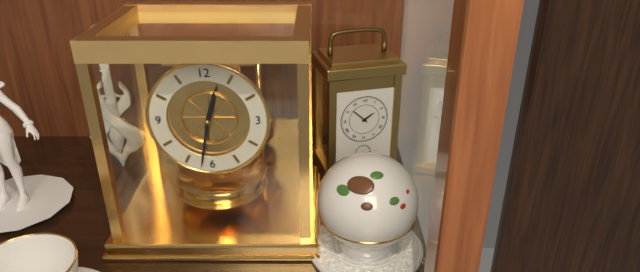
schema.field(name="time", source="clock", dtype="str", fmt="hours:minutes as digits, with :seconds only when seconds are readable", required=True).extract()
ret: 12:32
